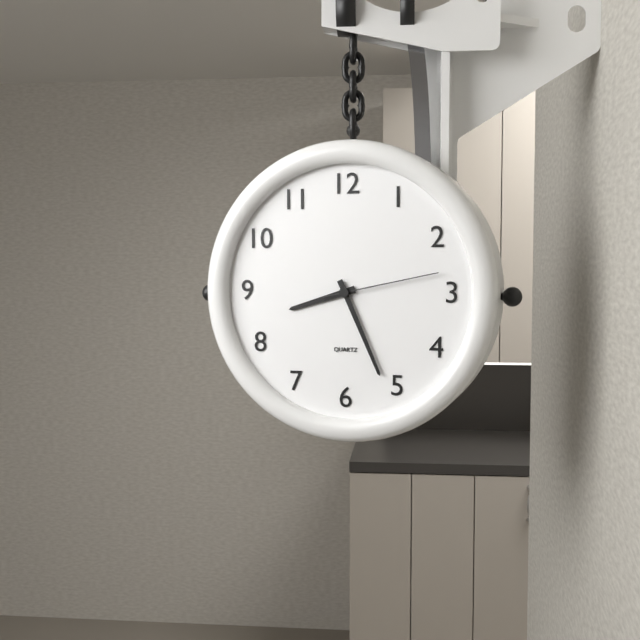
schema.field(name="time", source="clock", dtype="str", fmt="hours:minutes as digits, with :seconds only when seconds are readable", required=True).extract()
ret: 8:26:13
